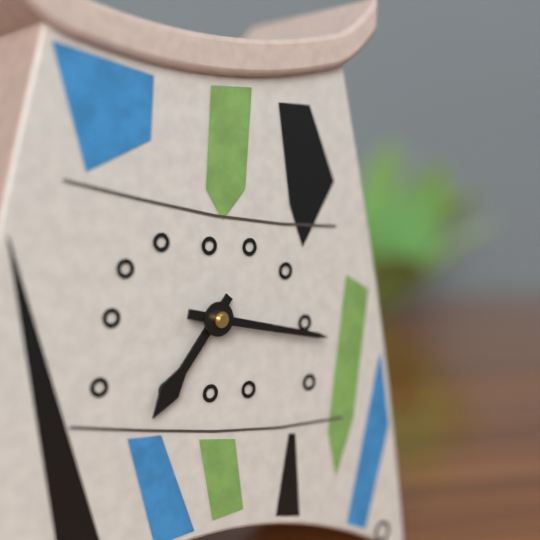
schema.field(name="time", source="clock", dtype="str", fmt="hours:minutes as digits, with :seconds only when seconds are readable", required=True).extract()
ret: 7:17
